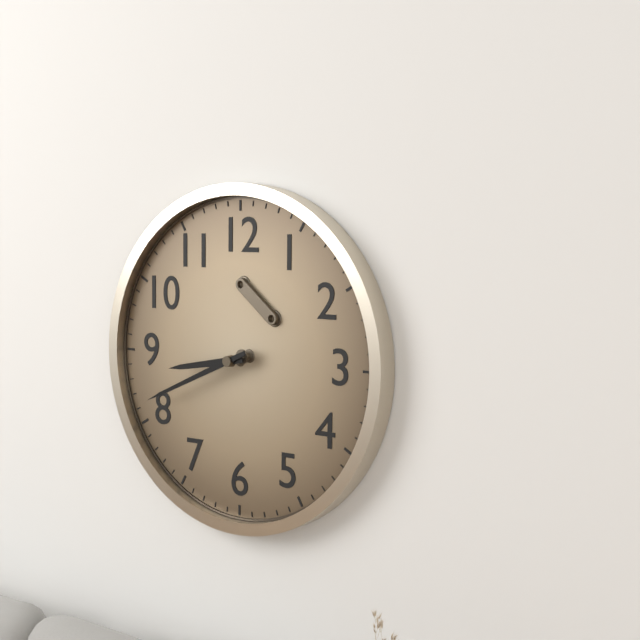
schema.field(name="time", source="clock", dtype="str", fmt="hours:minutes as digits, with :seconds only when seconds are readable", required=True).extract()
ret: 8:41
